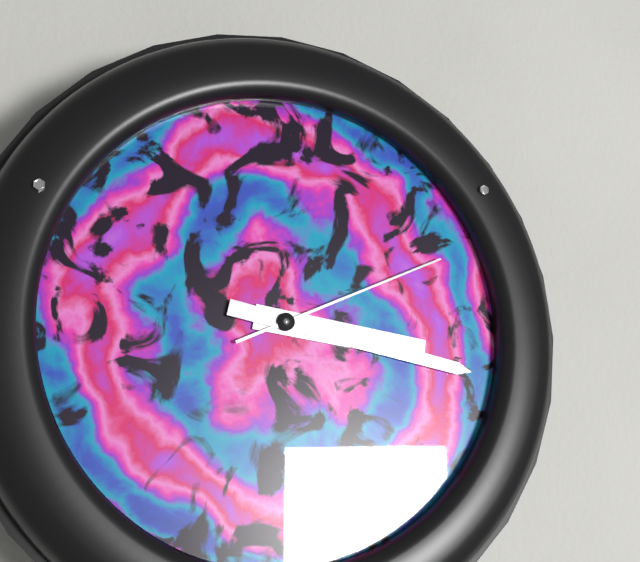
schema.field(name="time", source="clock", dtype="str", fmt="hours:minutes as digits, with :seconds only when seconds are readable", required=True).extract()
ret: 3:17:11
